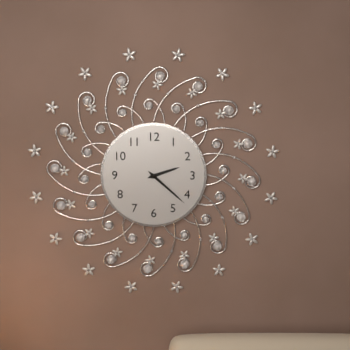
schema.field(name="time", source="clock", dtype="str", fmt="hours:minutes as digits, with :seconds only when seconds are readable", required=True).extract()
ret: 2:22
